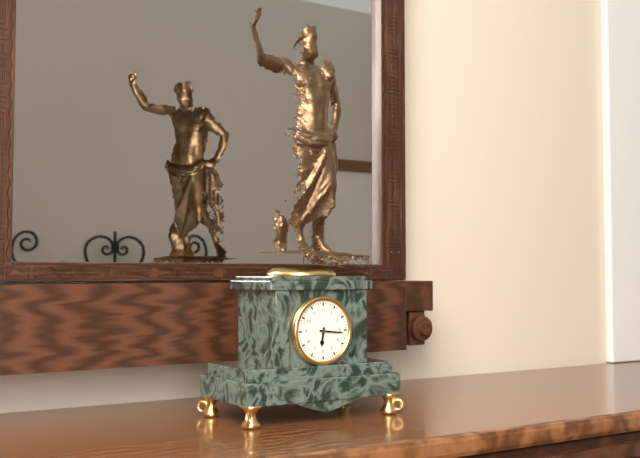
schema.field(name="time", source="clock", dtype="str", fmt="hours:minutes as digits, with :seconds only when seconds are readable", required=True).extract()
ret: 6:16
